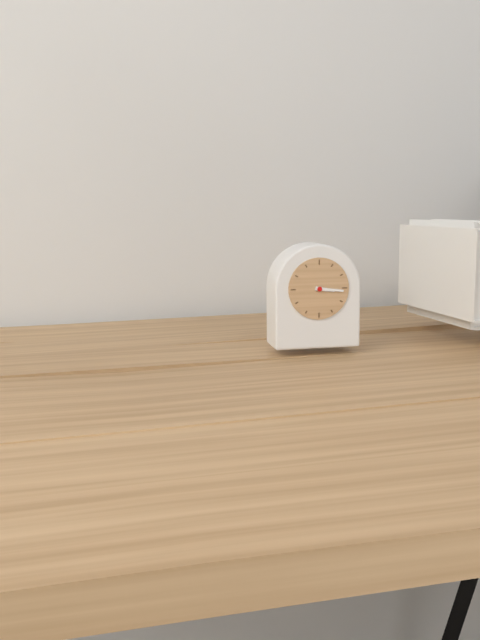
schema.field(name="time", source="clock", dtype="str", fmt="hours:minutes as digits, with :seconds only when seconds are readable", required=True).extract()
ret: 3:16
